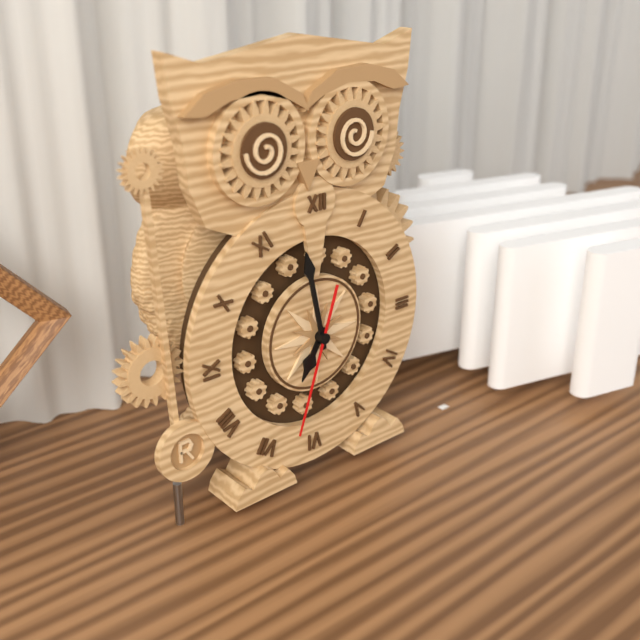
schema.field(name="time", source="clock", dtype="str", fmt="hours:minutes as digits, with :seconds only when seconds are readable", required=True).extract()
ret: 6:58:33
